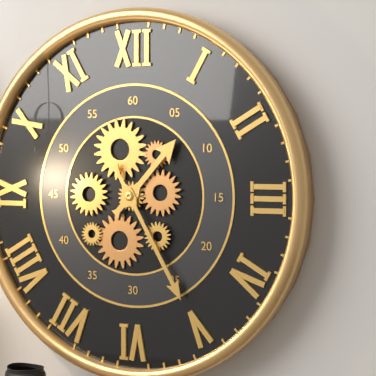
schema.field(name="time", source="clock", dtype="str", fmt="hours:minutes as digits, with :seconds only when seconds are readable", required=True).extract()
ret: 1:25
